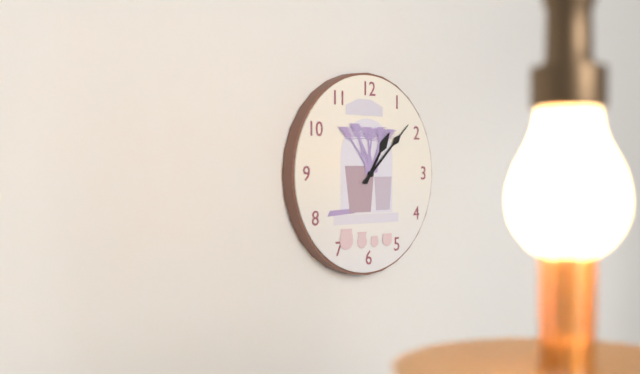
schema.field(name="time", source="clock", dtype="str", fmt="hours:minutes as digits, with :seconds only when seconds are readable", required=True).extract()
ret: 1:08
